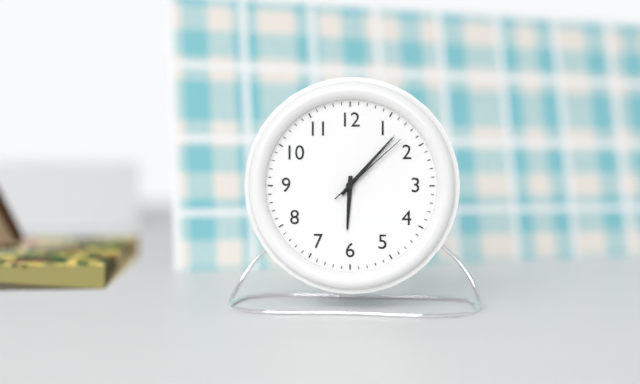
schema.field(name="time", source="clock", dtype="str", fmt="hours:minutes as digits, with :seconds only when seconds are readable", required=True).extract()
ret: 6:07:08
